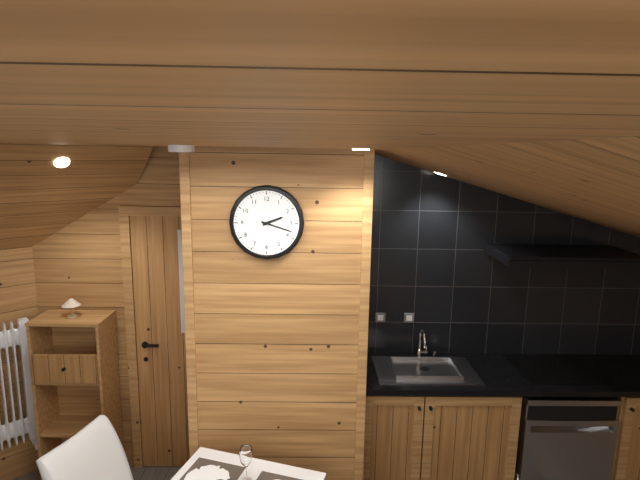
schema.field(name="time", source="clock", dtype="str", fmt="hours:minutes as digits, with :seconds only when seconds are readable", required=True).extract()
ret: 2:18
